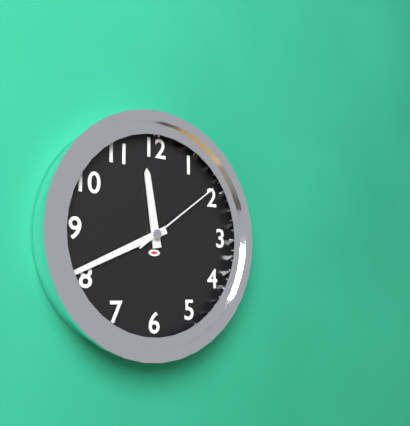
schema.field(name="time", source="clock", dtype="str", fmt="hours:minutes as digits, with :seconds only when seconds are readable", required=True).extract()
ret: 11:41:09
